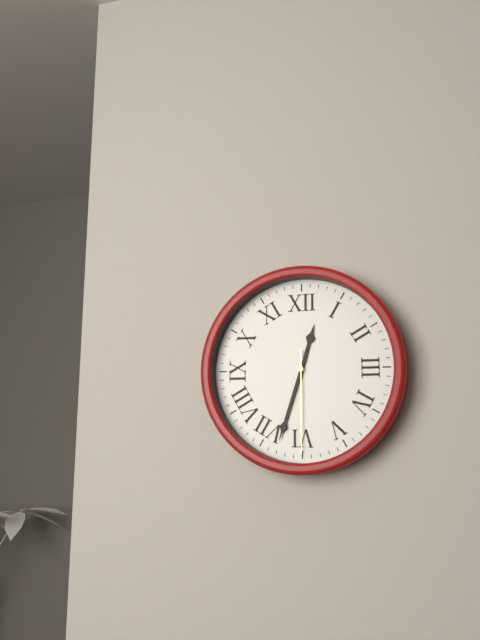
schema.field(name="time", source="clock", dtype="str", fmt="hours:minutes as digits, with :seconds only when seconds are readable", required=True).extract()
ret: 12:33:30
